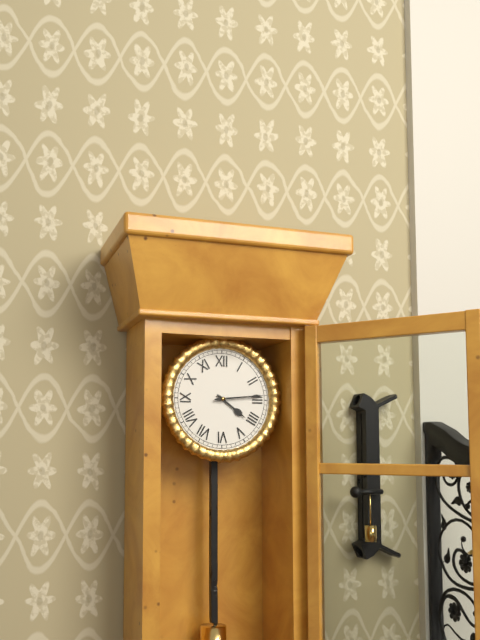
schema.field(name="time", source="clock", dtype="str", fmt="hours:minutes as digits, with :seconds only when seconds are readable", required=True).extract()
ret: 4:14
